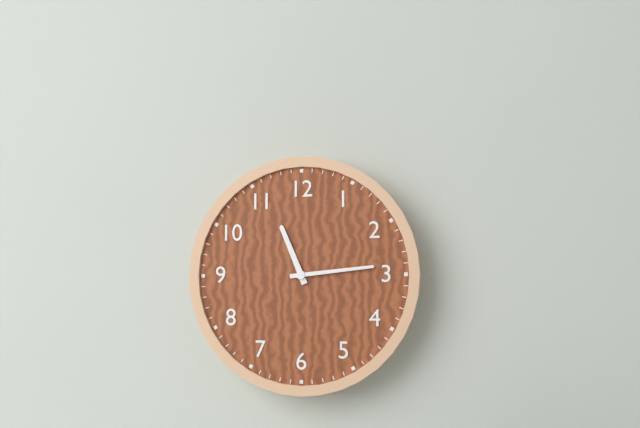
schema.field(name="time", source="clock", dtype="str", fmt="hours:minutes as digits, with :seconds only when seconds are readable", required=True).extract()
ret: 11:14
